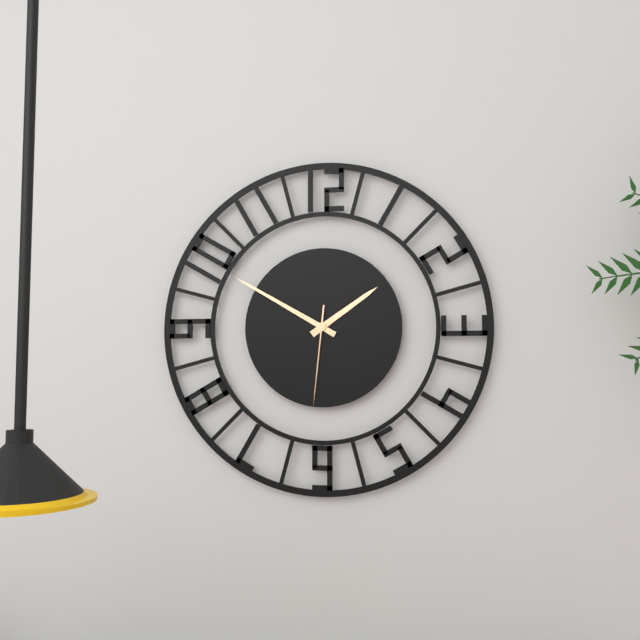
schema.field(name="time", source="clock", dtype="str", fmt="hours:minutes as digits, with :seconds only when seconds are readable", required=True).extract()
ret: 1:50:31
